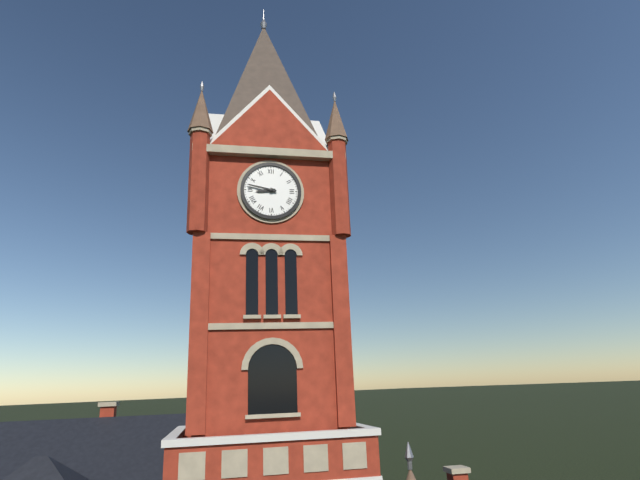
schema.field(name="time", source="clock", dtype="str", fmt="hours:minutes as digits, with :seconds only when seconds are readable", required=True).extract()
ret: 8:47
